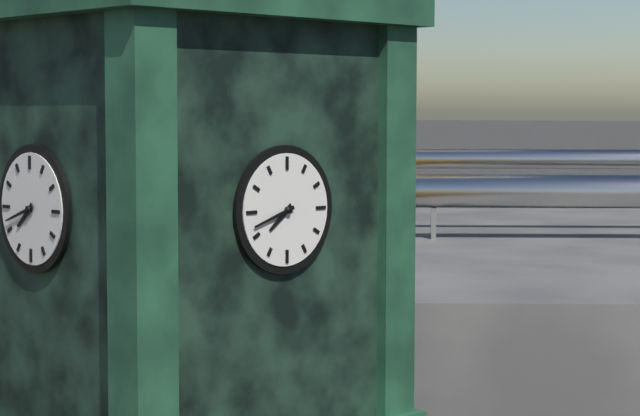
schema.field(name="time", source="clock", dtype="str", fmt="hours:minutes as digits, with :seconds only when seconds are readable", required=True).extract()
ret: 7:42
